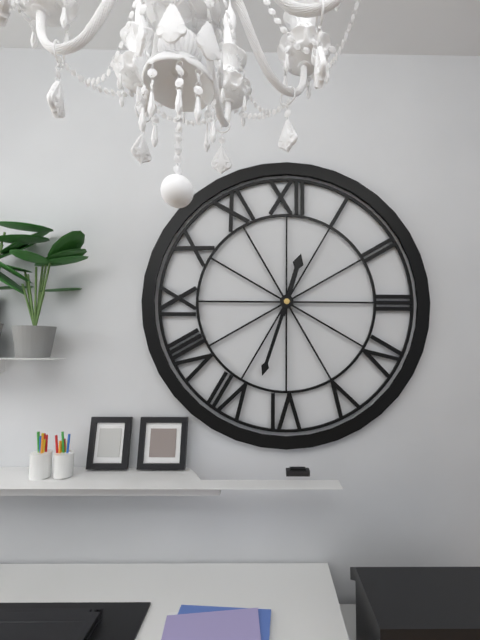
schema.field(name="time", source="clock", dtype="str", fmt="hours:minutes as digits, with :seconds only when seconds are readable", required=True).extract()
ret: 12:33
